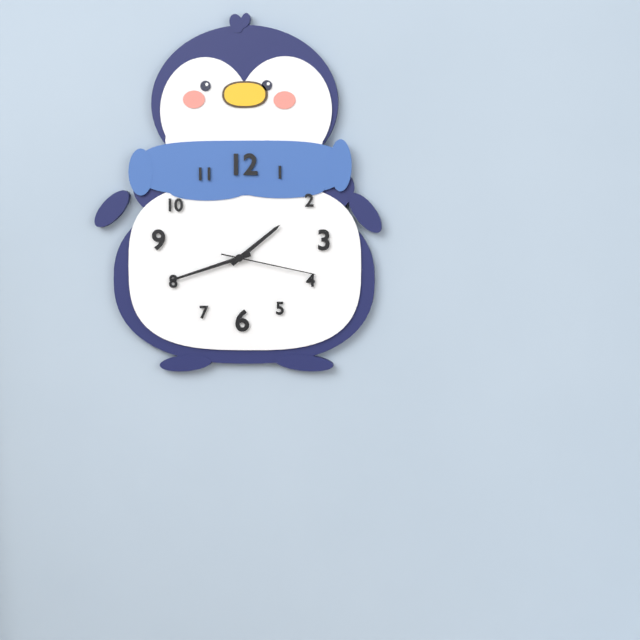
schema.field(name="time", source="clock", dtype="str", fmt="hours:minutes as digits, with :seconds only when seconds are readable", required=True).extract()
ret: 1:42:17
